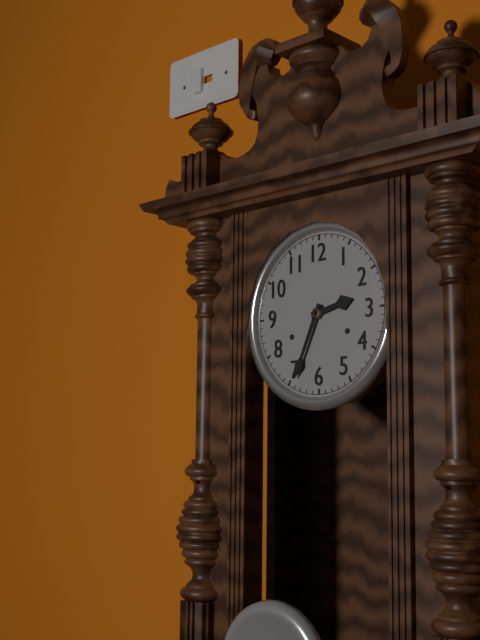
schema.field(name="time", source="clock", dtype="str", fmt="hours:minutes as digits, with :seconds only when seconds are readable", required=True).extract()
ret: 2:34
